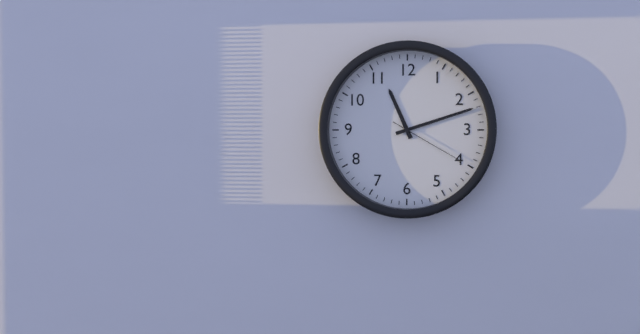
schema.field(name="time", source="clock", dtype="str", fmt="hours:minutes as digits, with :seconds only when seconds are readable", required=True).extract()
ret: 11:12:20
